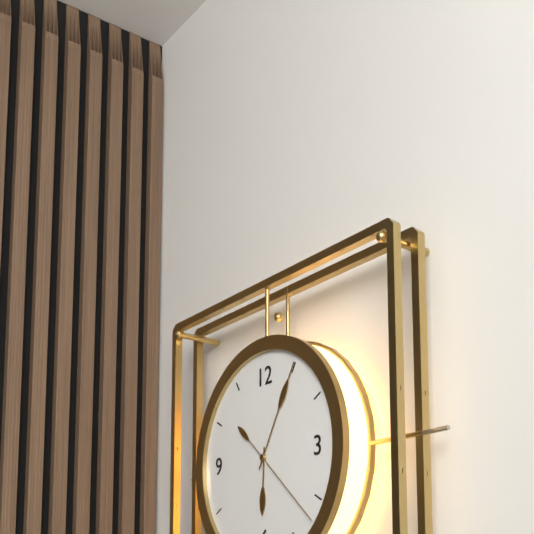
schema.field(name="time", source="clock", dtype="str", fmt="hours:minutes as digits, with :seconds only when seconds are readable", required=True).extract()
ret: 6:05:22
